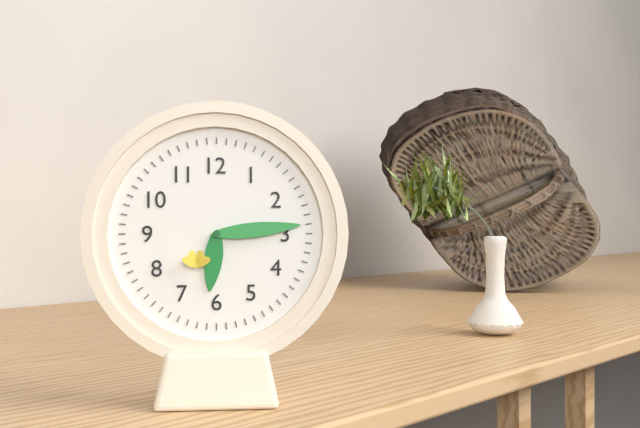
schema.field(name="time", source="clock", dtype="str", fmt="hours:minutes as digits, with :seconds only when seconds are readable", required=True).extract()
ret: 6:14
